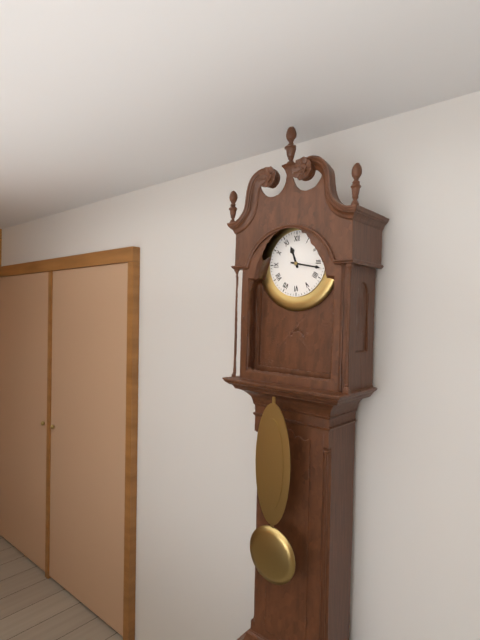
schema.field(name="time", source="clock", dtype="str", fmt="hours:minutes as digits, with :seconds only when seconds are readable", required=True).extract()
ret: 11:17
